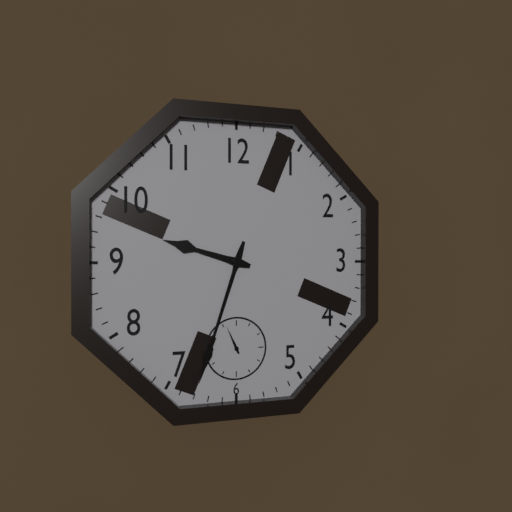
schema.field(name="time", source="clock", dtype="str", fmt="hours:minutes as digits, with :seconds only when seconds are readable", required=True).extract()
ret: 9:33
